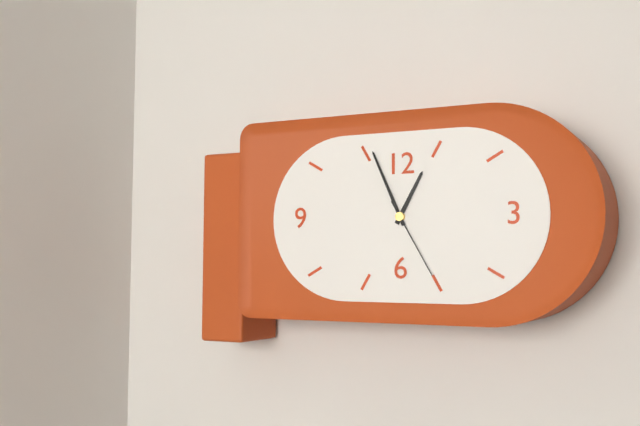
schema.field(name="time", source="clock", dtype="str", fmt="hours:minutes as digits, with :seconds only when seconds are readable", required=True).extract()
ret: 12:56:25
